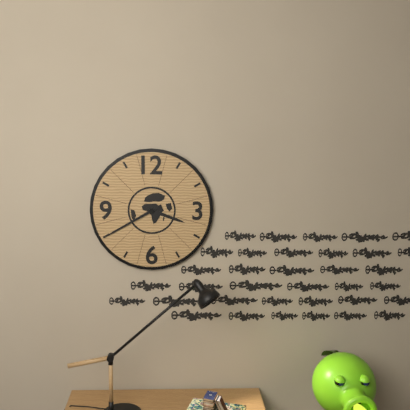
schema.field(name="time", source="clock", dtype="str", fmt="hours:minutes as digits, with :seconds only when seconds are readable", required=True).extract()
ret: 3:40
